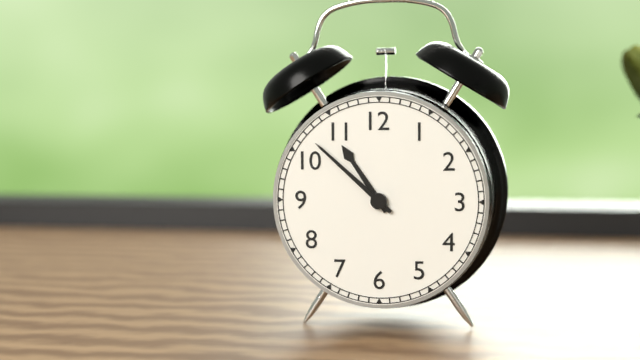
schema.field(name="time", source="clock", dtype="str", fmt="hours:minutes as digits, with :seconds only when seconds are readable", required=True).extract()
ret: 10:52
